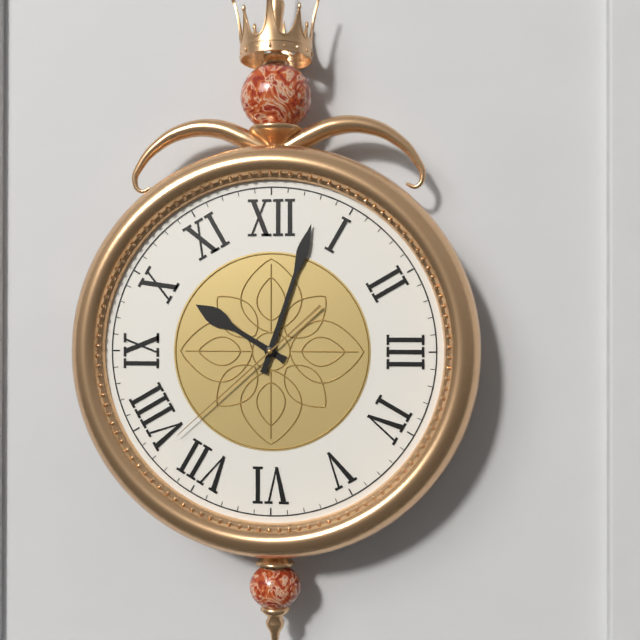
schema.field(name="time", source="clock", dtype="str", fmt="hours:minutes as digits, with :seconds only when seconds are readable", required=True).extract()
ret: 10:03:38
